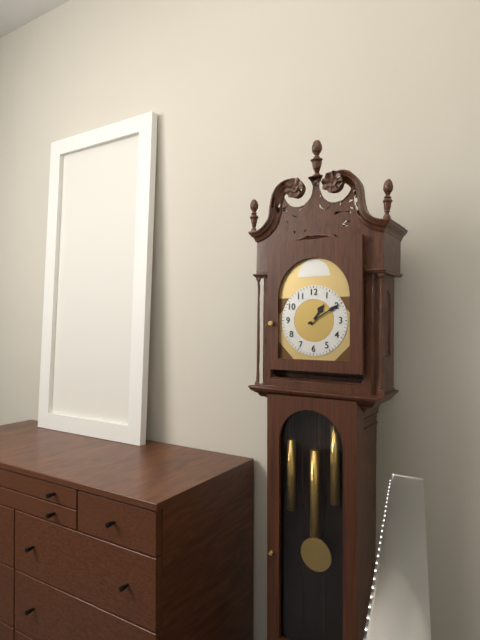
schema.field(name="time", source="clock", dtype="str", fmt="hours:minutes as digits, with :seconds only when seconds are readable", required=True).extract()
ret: 1:10
